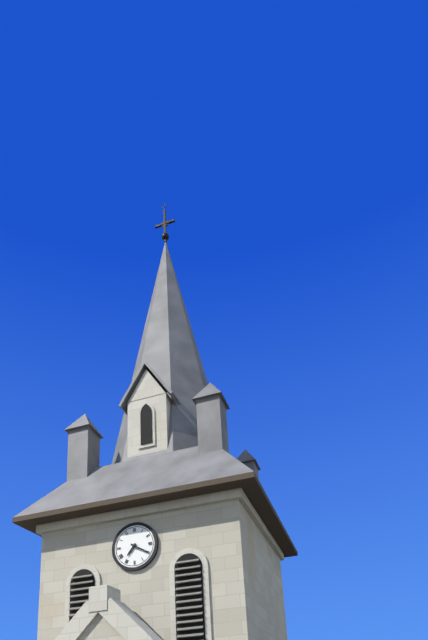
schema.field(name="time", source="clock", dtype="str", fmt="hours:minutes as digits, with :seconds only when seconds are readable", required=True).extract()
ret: 7:20
